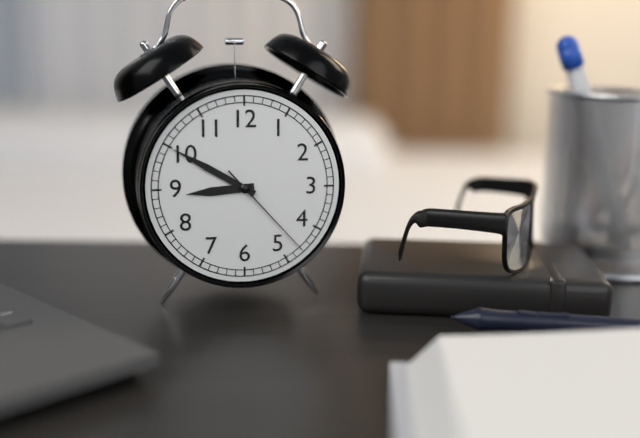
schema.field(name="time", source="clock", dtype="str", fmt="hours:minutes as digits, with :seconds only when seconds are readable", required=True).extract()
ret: 8:50:23
